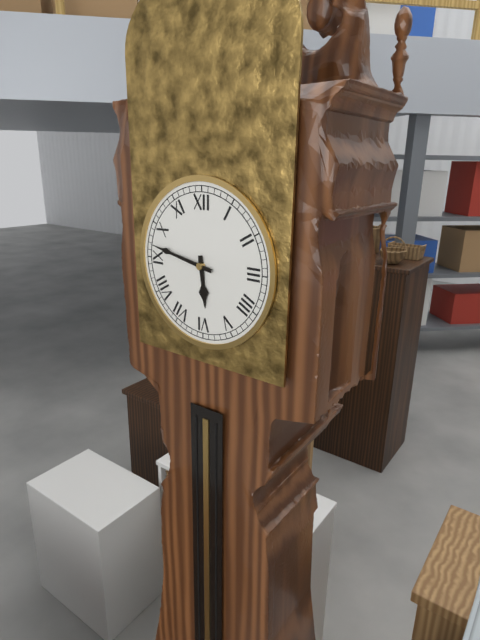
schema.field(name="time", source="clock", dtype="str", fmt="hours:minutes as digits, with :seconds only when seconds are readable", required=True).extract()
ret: 5:47
